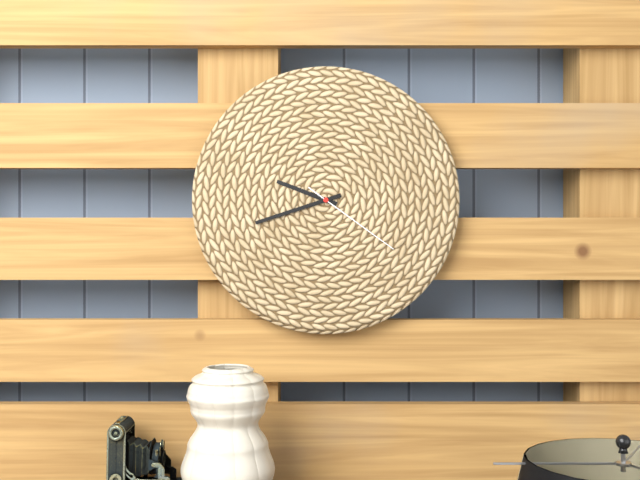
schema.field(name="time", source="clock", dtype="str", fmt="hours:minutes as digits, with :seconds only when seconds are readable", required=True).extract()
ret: 9:42:21
